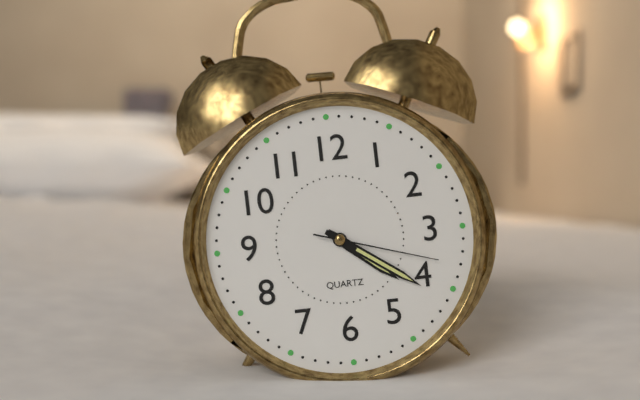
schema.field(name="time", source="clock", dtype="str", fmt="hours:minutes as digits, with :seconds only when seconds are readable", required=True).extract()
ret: 4:21:18
